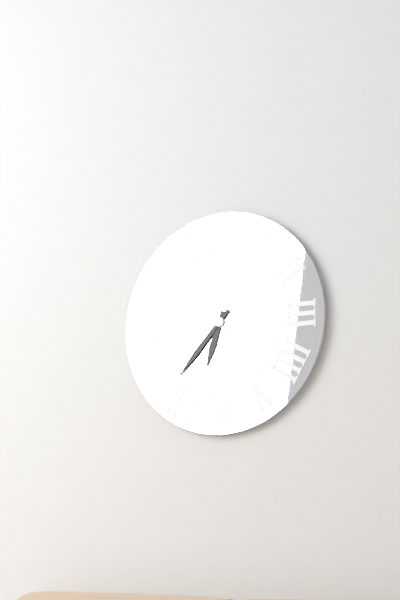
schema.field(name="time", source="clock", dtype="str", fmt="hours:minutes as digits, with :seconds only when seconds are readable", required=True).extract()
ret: 6:37
